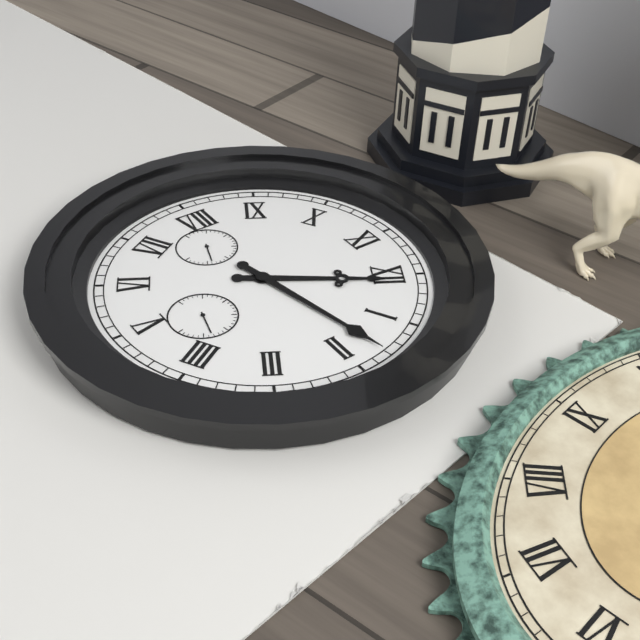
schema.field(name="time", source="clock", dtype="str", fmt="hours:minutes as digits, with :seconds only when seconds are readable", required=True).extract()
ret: 12:08
